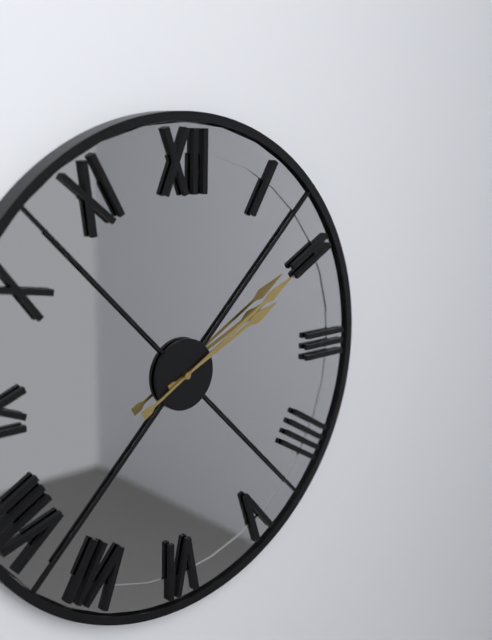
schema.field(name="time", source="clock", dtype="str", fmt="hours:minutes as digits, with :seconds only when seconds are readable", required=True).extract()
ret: 2:10
